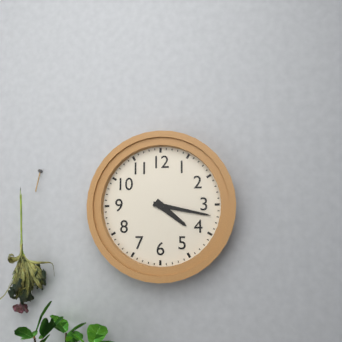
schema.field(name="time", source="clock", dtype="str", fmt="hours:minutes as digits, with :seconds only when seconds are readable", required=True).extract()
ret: 4:17
